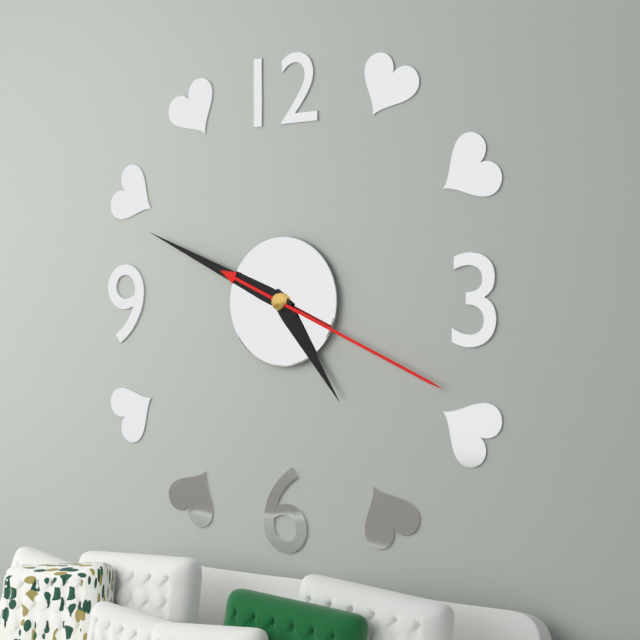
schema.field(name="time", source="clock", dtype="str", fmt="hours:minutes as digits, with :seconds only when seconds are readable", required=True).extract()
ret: 4:49:19
